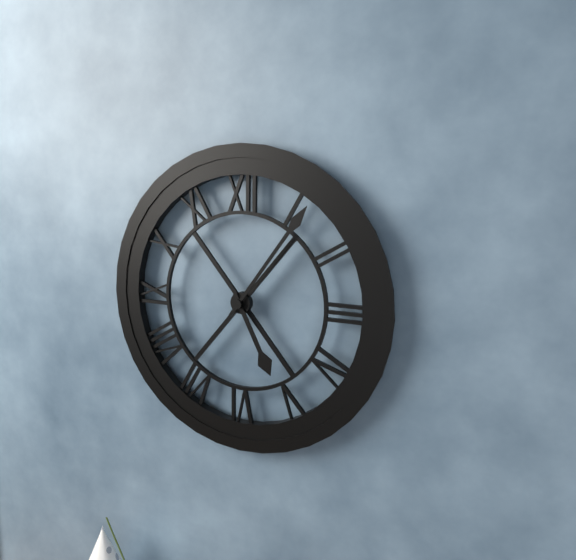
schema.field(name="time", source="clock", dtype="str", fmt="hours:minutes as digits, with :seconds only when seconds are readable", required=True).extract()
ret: 5:06
